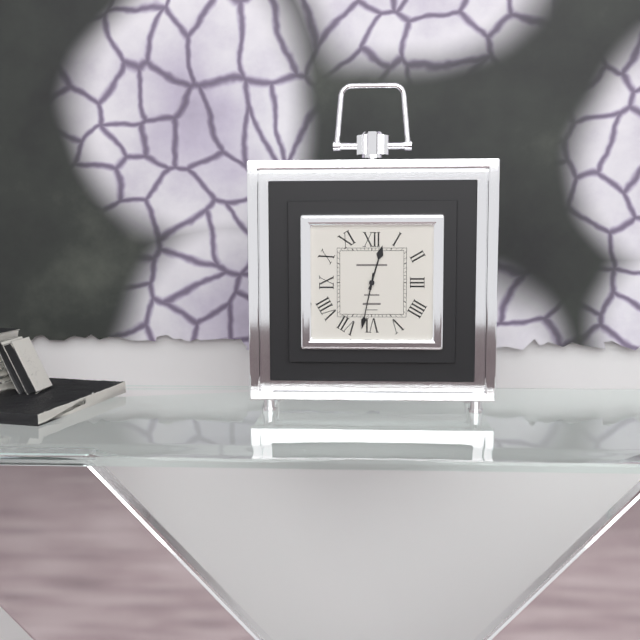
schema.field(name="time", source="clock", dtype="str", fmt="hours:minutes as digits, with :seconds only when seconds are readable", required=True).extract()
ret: 12:32
